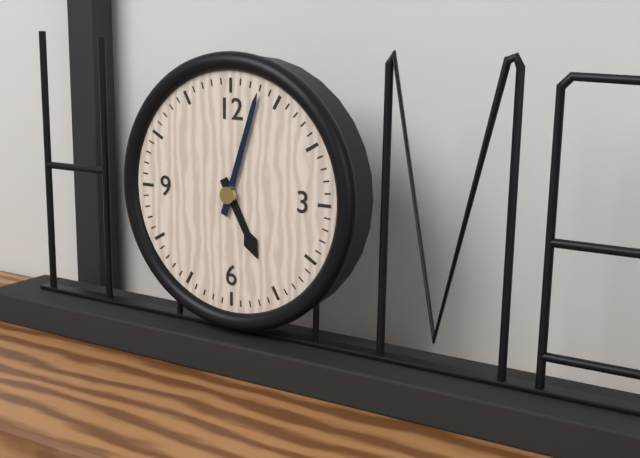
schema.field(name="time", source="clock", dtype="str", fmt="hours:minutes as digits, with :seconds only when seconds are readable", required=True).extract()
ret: 5:03
